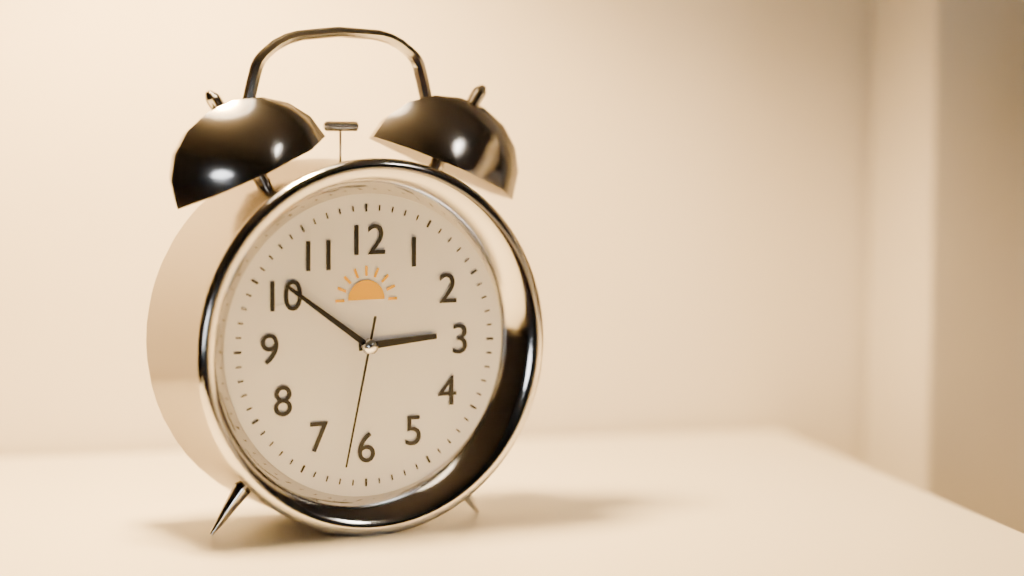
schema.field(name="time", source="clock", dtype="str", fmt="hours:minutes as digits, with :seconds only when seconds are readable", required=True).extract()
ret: 2:51:32
